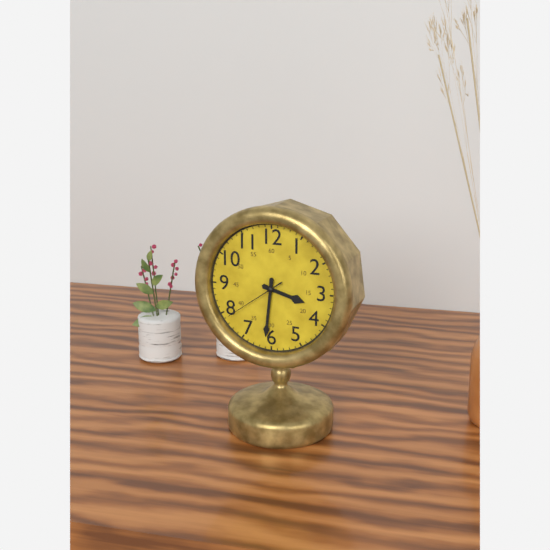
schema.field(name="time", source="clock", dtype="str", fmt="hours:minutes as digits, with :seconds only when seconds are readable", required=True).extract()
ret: 3:31:39
